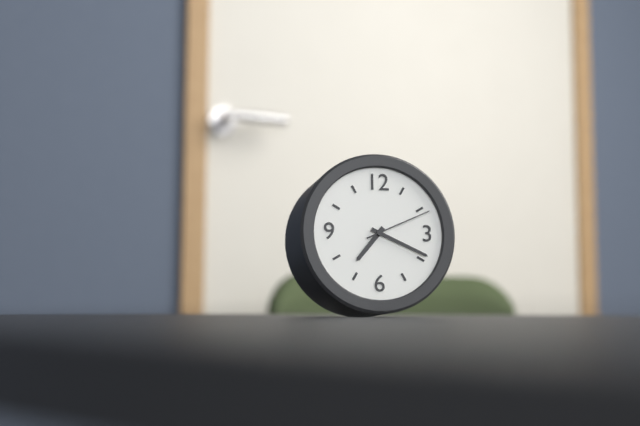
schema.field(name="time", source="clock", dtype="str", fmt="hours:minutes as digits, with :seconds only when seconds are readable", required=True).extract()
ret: 7:19:11
